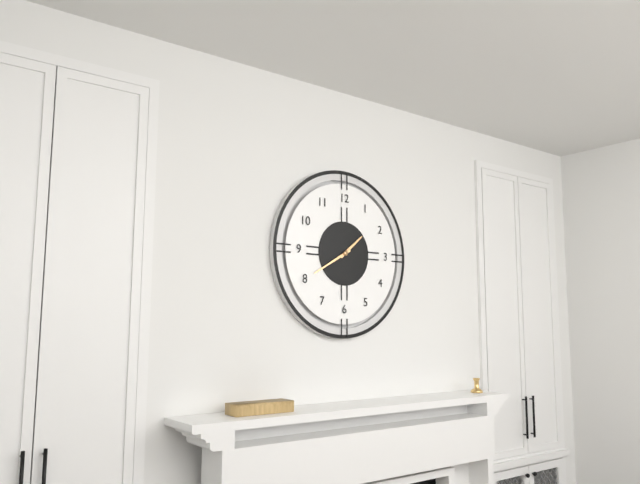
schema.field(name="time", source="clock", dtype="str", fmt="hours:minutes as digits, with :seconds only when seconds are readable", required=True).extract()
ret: 1:40
